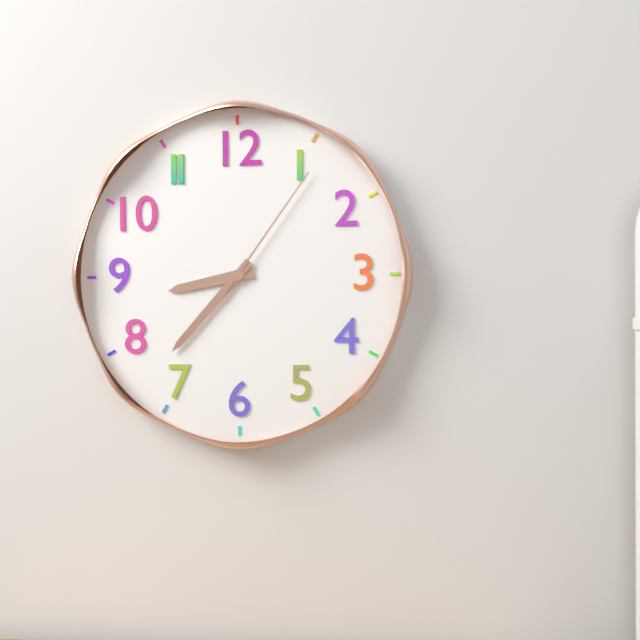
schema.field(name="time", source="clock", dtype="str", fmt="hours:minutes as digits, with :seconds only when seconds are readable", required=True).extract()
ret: 8:37:06
